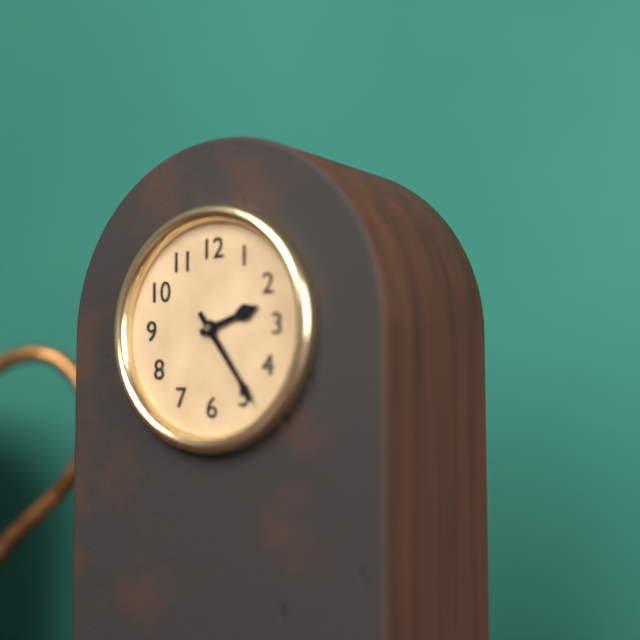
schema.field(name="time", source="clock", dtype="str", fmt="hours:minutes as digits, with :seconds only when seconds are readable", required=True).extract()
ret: 2:24
